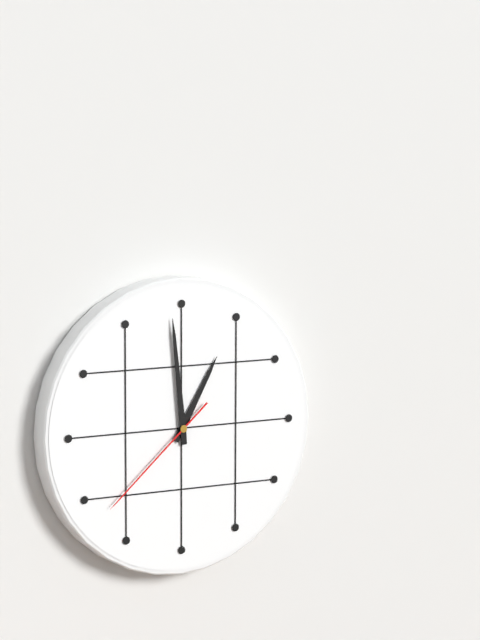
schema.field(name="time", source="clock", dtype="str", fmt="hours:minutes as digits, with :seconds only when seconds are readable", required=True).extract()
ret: 12:59:38
